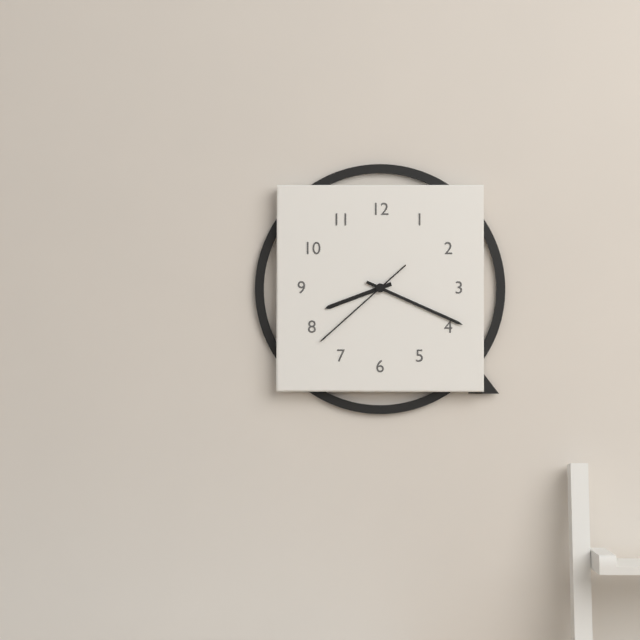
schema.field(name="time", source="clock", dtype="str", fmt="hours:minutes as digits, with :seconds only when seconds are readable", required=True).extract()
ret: 8:19:38
